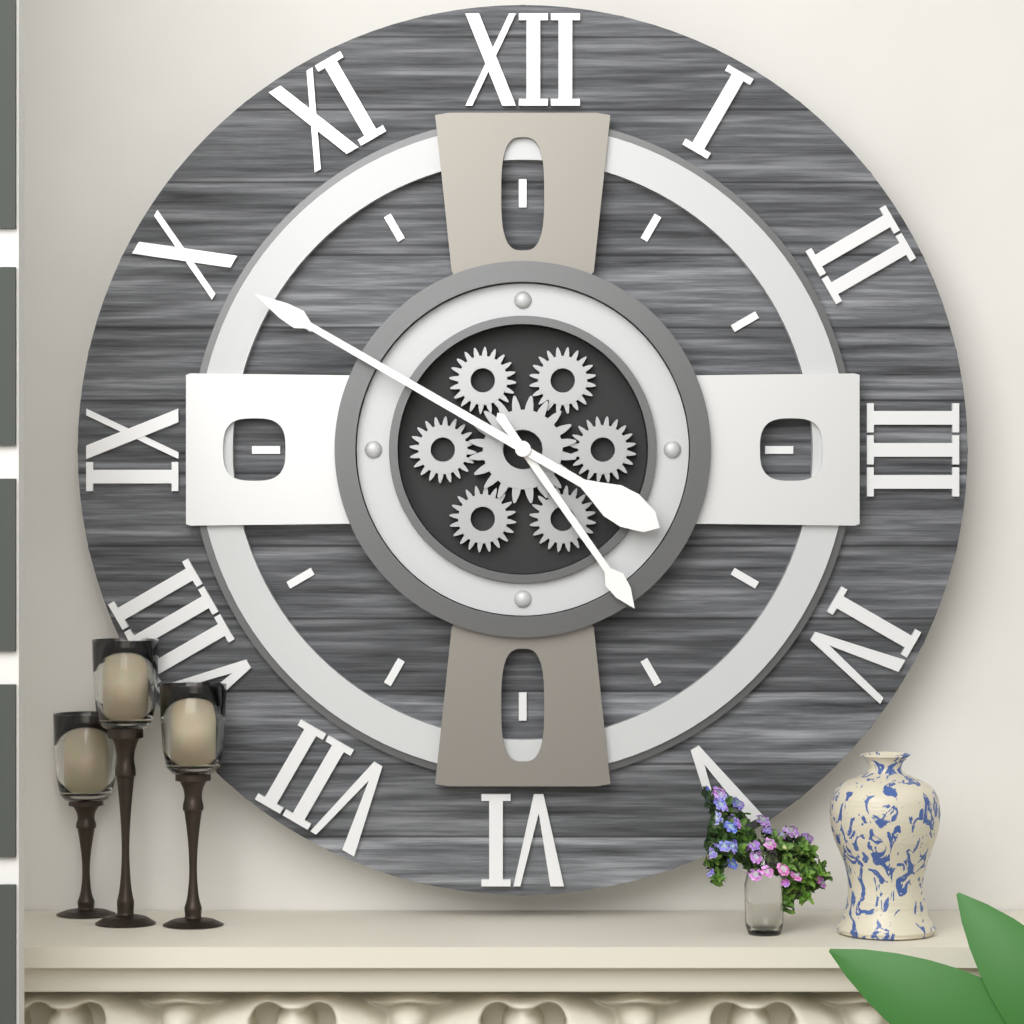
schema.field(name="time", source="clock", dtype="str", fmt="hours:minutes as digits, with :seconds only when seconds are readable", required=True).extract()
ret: 4:50
